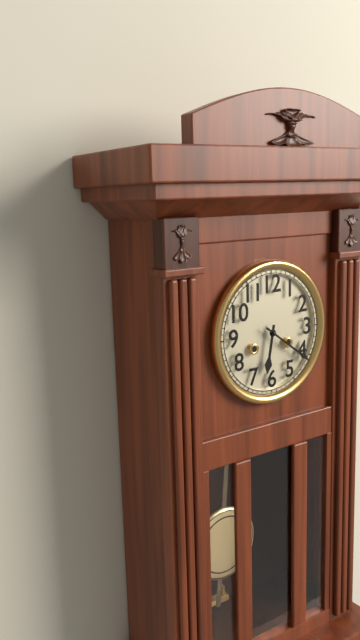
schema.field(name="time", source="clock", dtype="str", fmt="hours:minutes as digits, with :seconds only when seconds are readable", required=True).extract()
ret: 6:21
